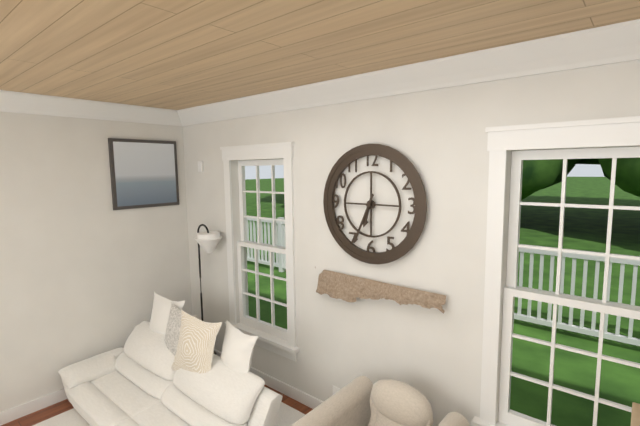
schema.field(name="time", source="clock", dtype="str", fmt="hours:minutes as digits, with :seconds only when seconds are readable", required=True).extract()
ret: 6:34
